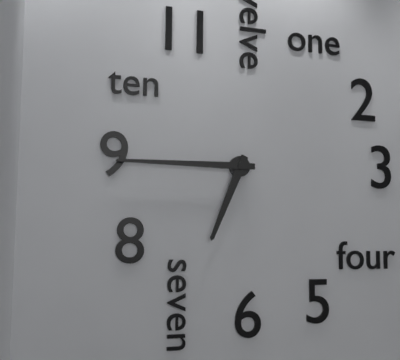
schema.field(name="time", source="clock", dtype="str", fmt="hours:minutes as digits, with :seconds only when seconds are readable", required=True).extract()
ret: 6:45
